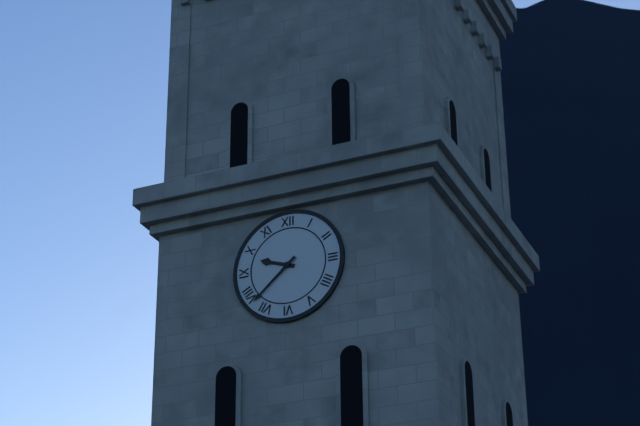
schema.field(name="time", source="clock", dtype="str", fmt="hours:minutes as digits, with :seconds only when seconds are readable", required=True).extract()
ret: 9:38
